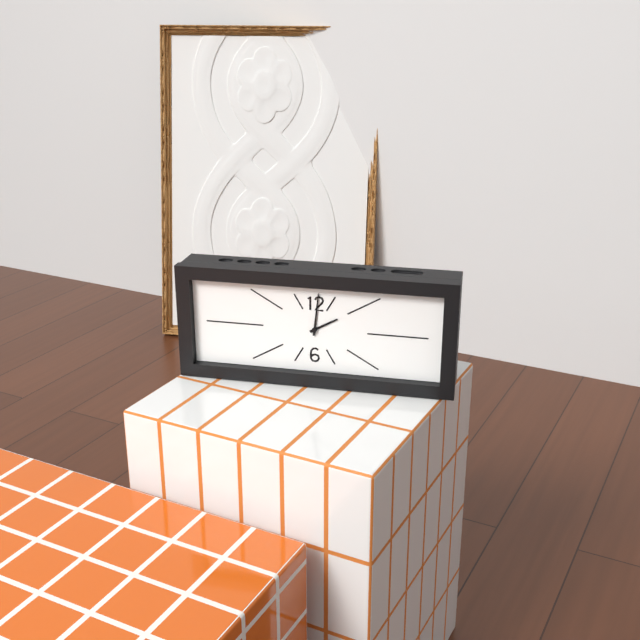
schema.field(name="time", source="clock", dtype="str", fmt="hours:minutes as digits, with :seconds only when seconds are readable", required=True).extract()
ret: 2:01
